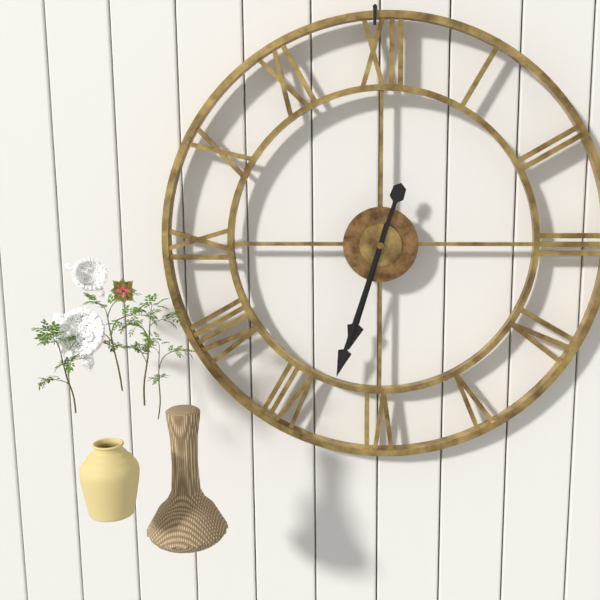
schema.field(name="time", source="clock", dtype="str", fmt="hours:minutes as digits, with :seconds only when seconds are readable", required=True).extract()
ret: 6:33
